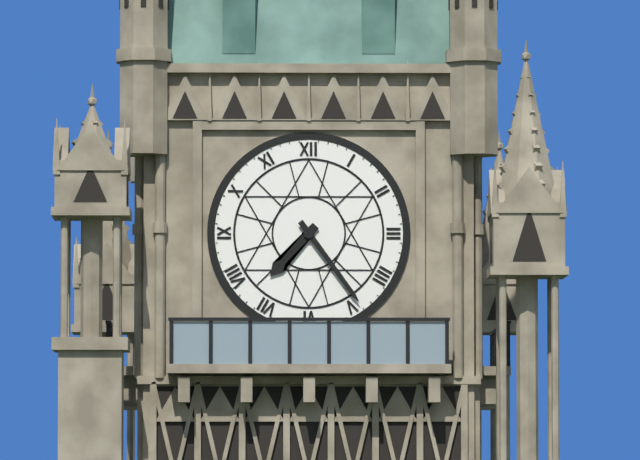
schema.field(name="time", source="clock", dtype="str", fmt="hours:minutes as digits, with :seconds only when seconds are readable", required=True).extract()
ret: 7:24
